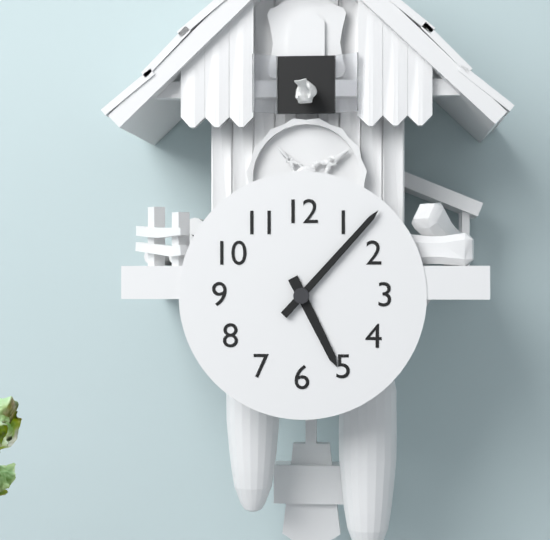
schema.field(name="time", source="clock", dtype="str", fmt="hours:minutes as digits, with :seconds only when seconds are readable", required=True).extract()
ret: 5:07
